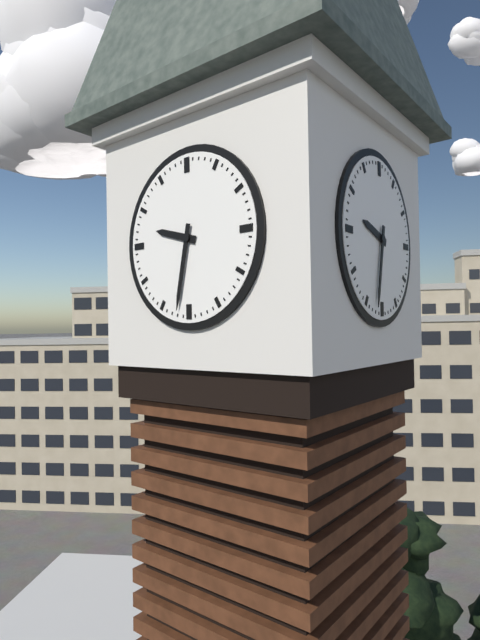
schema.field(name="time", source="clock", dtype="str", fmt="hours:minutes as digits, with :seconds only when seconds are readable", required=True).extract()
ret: 9:32
